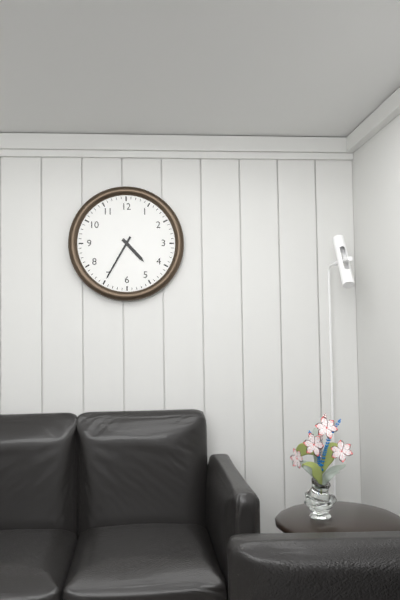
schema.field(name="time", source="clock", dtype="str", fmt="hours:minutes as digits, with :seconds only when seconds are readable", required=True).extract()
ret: 4:35
